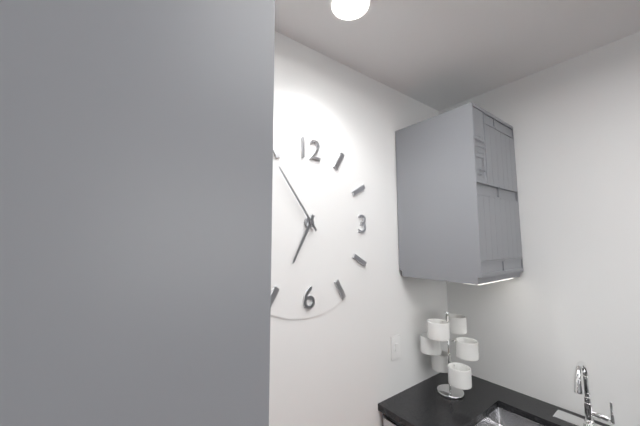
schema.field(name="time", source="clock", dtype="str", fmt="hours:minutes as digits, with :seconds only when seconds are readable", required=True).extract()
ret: 6:54
